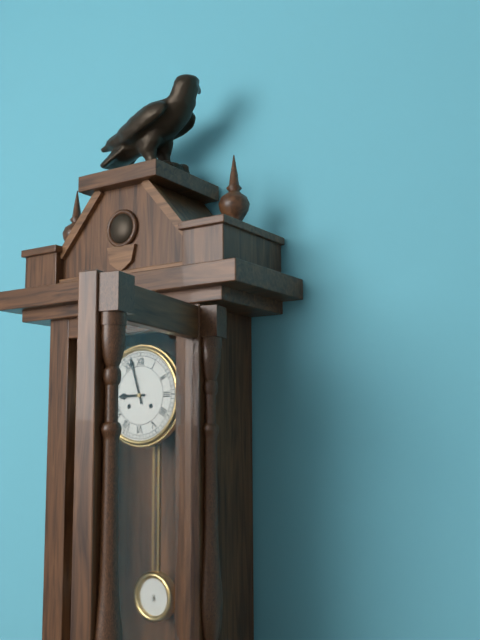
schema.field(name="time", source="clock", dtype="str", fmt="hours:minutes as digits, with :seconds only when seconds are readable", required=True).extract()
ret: 8:57
